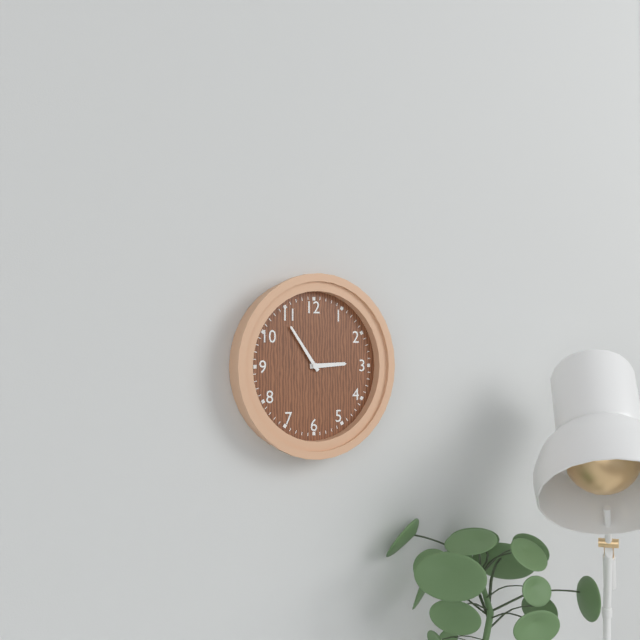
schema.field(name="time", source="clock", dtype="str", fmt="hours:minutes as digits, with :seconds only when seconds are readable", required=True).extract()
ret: 2:54
